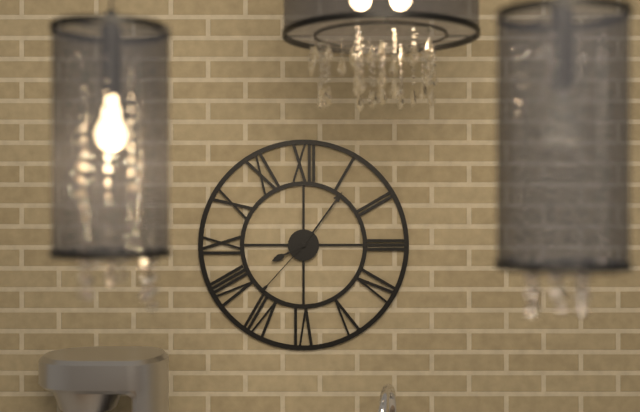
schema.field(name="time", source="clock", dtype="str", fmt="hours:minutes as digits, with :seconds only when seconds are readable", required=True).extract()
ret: 8:06:37
